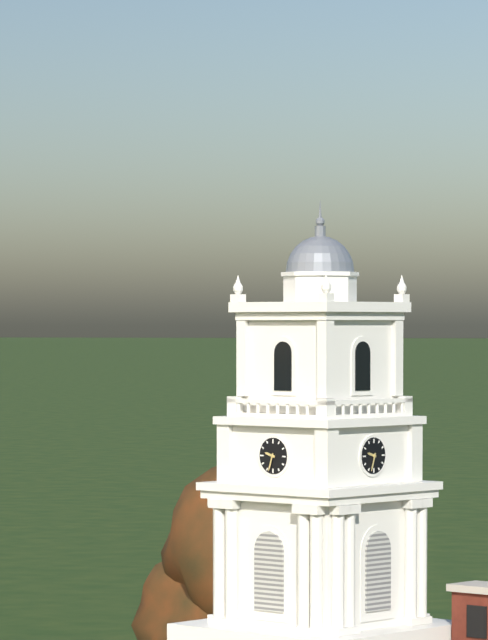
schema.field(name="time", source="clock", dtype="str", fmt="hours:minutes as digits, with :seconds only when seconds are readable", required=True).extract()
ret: 9:33
